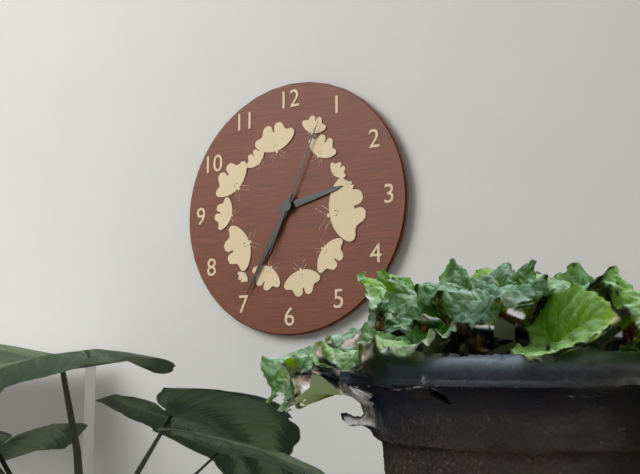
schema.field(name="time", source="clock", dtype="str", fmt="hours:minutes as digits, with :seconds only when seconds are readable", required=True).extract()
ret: 2:35:04
